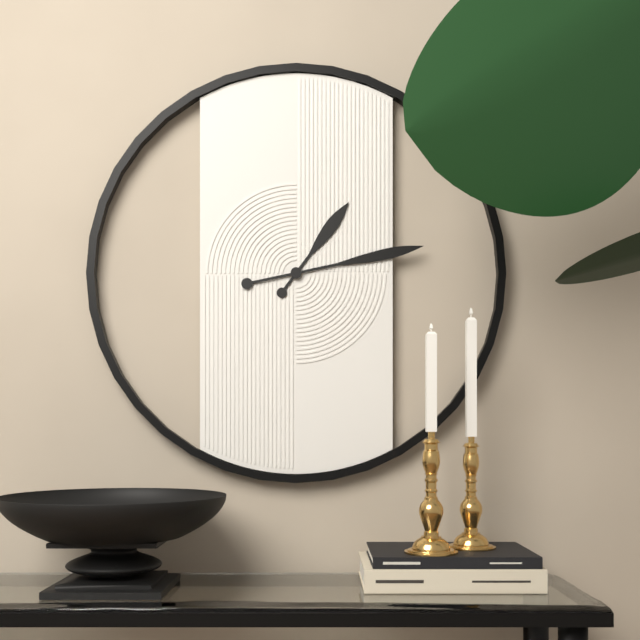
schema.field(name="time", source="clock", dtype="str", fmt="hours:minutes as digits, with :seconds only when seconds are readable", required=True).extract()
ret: 1:13
